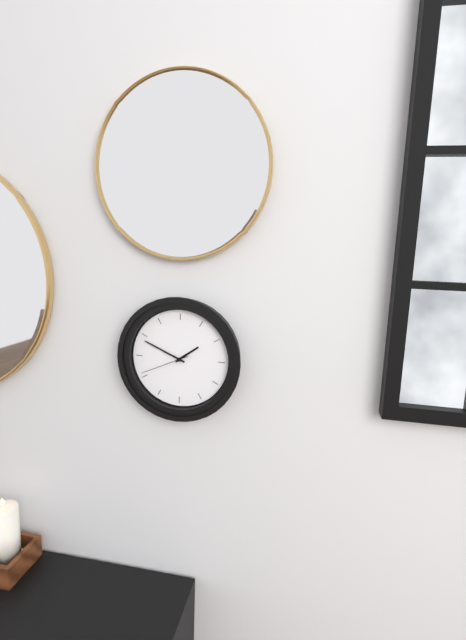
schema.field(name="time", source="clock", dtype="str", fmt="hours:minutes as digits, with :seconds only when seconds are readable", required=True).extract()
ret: 1:49
